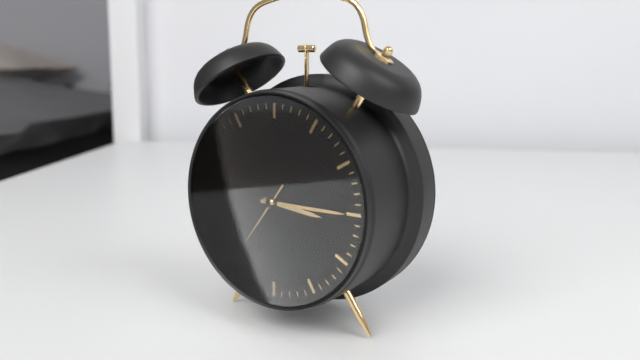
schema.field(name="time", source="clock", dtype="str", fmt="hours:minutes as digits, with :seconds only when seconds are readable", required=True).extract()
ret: 3:15:36
